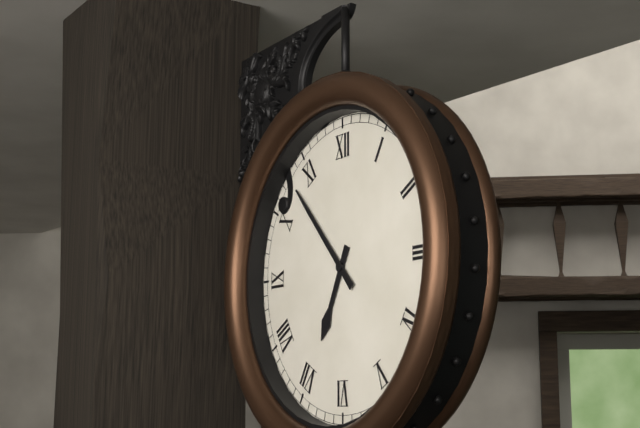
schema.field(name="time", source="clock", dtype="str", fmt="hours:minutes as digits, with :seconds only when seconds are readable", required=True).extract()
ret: 6:53
